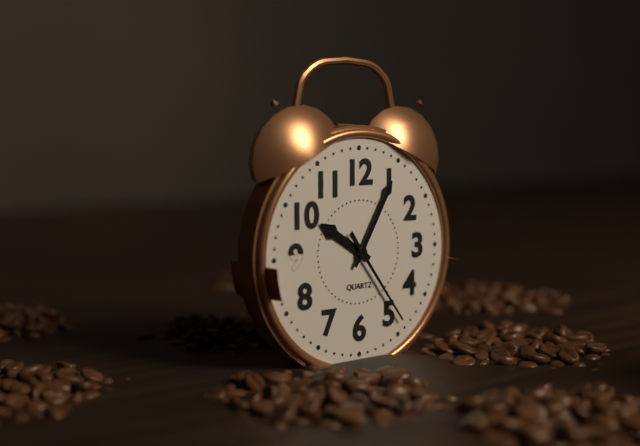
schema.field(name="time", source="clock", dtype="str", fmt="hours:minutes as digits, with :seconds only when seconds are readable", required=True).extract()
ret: 10:05:24
